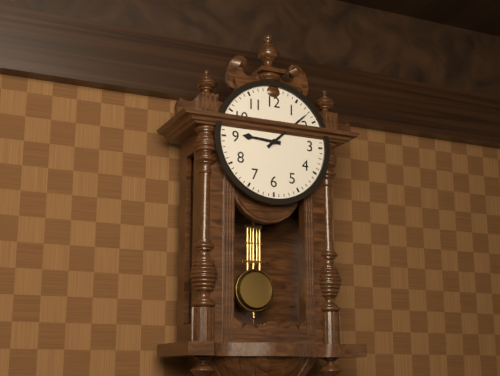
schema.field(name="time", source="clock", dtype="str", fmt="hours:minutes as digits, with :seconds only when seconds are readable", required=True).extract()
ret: 9:08
